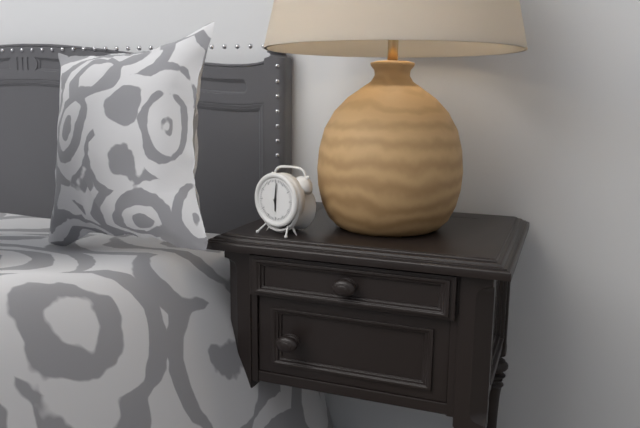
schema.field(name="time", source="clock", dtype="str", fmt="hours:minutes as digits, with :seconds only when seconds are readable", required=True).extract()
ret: 6:01
